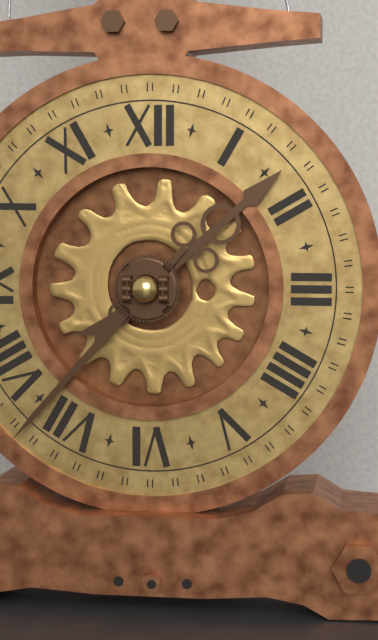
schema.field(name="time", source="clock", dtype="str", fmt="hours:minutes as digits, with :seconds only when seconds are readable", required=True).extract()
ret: 1:37
